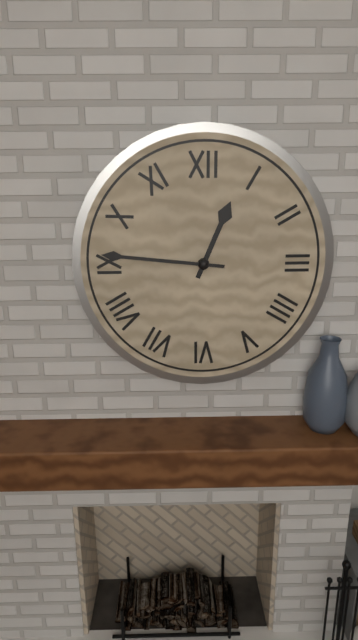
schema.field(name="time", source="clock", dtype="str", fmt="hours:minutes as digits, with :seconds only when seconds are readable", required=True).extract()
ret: 12:46
